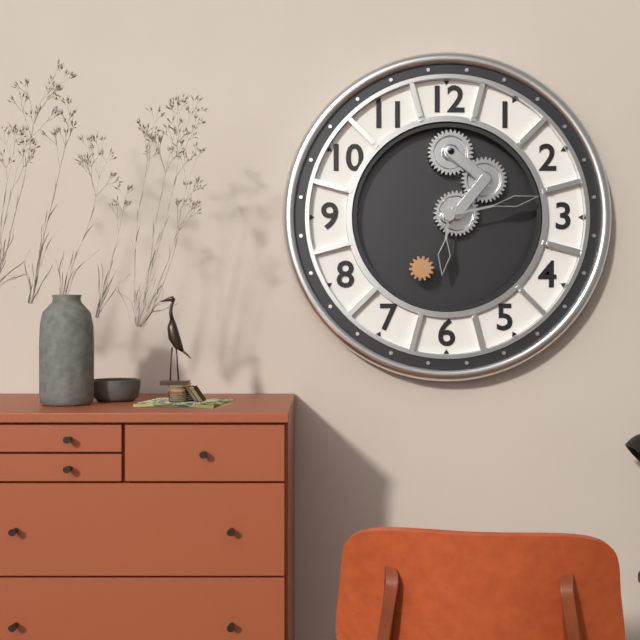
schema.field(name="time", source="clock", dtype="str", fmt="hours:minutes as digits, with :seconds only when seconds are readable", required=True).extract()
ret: 6:13
